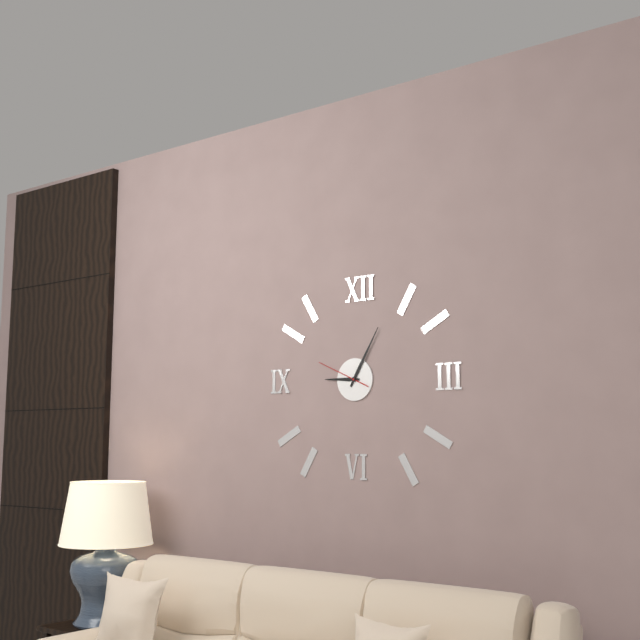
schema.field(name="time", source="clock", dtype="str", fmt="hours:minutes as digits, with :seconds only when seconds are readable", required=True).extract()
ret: 9:05:49
